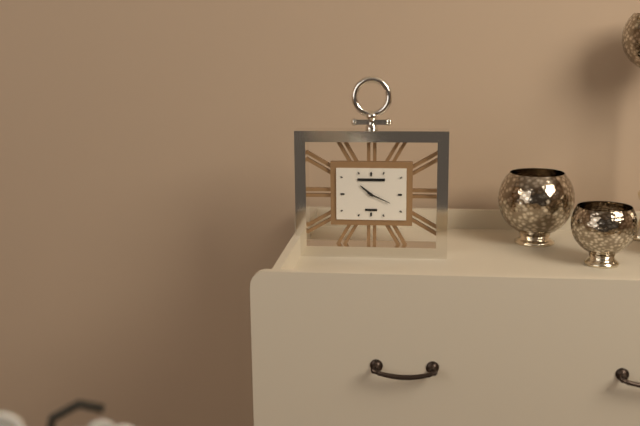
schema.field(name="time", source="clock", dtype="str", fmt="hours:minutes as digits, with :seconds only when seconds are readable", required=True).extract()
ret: 10:19
